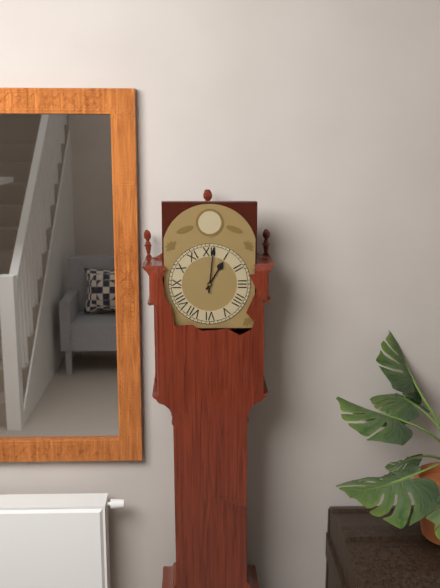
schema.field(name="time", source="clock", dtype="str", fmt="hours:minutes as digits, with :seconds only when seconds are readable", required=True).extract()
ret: 1:01
